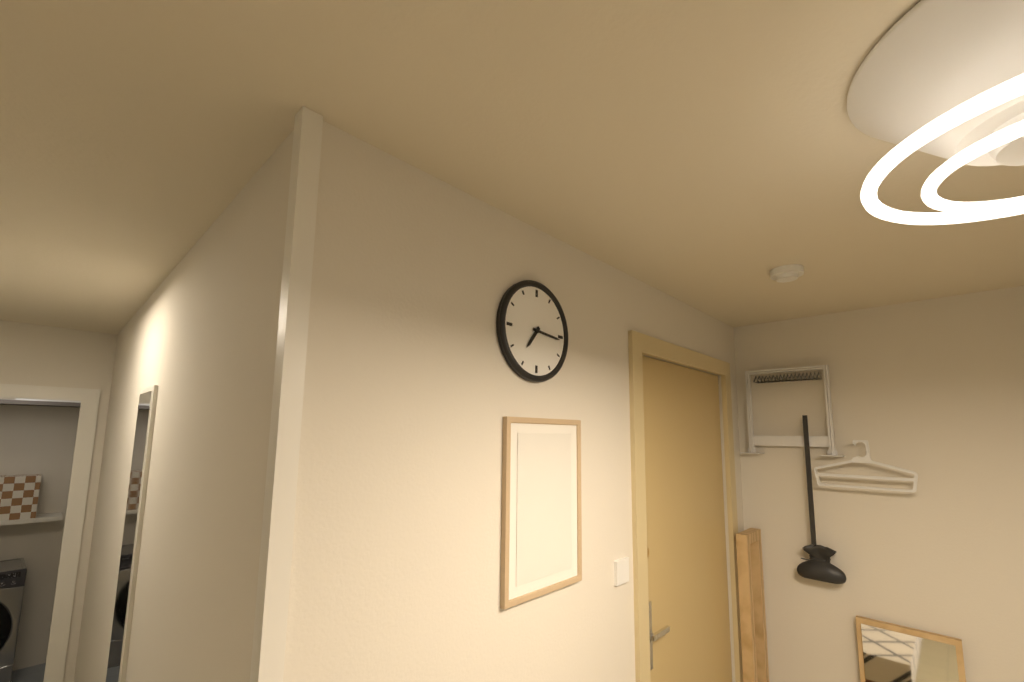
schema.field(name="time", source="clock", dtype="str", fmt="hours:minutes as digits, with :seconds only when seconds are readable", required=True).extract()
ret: 7:16
